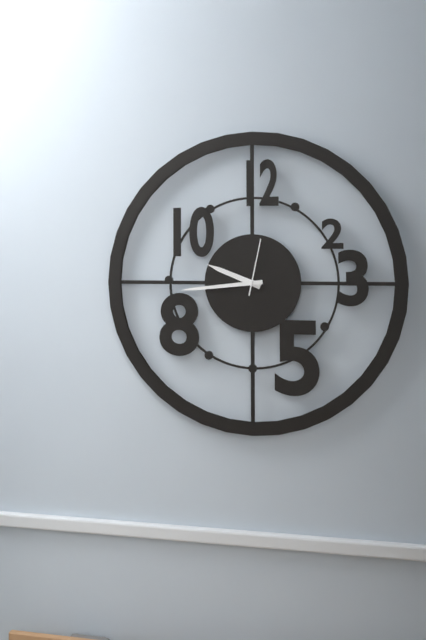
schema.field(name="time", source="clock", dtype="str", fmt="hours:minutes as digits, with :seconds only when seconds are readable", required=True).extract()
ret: 9:44:02
